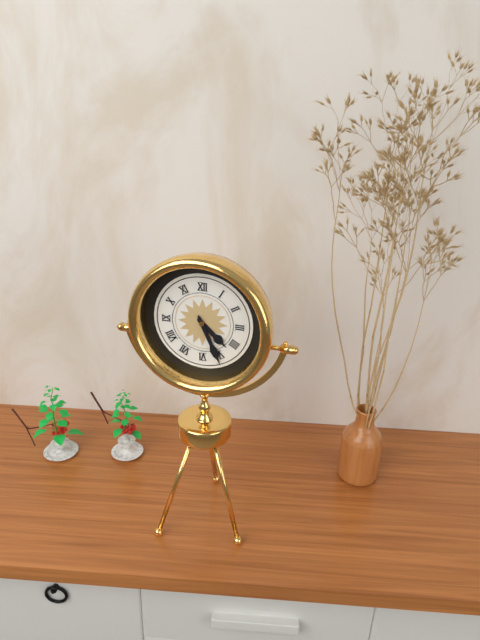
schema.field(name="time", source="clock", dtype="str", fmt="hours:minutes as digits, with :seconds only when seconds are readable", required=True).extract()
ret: 4:26
